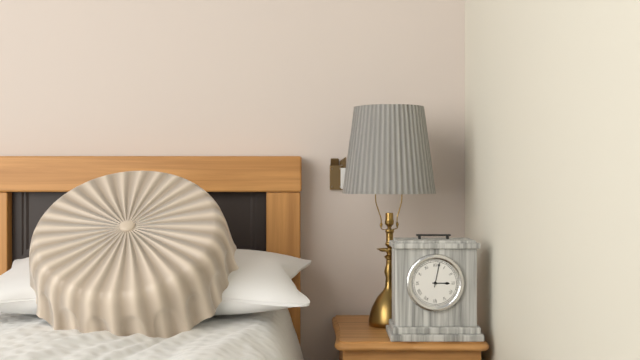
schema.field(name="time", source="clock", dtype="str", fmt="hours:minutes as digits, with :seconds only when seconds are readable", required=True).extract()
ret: 3:02
